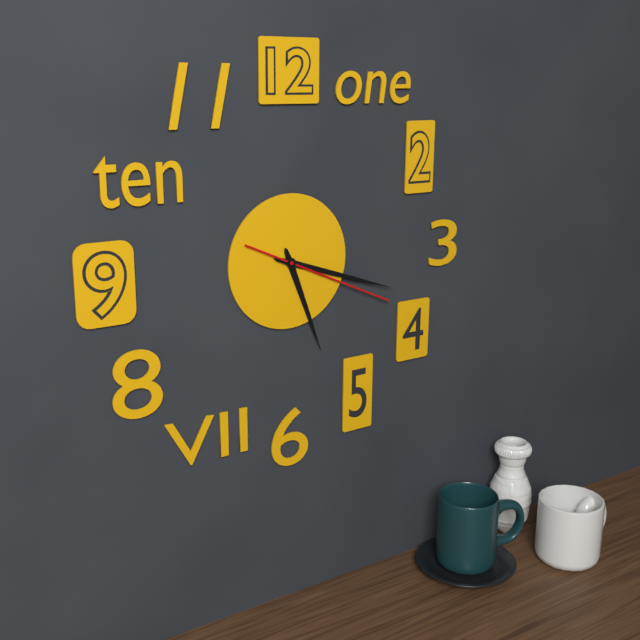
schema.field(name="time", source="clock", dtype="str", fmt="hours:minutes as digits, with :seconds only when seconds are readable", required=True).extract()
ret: 5:18:19
